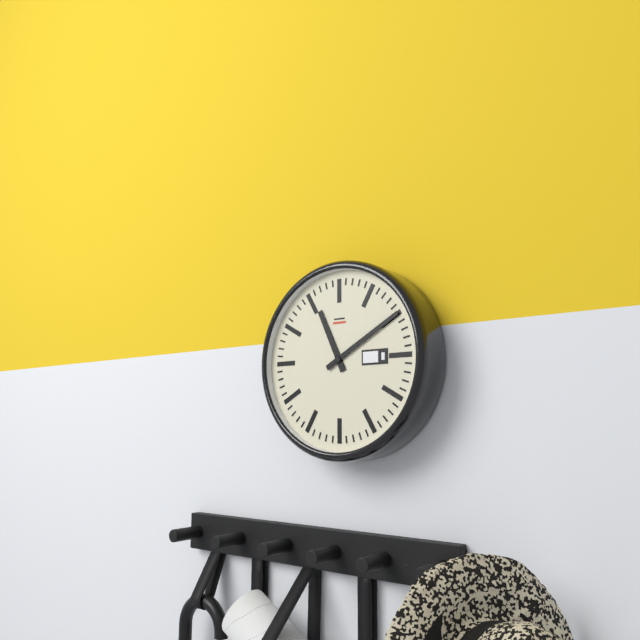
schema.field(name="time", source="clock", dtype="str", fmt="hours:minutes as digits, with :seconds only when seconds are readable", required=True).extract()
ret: 11:10
